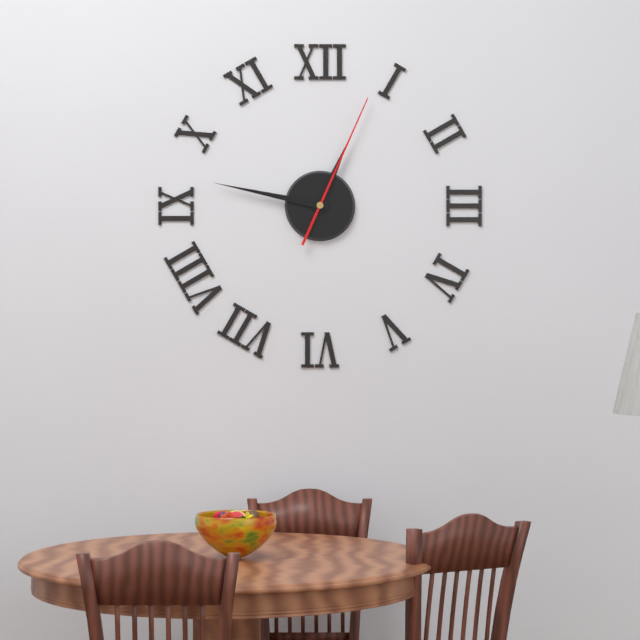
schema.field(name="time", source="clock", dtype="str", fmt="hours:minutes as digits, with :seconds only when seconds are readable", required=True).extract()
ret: 12:47:04
